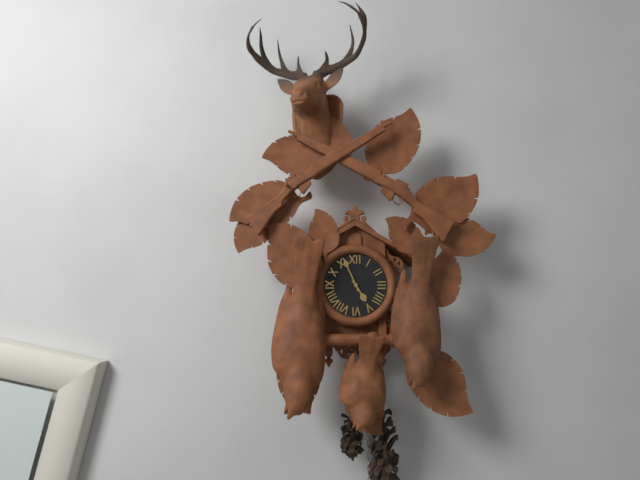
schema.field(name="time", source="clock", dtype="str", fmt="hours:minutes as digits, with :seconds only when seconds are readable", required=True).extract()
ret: 4:56
